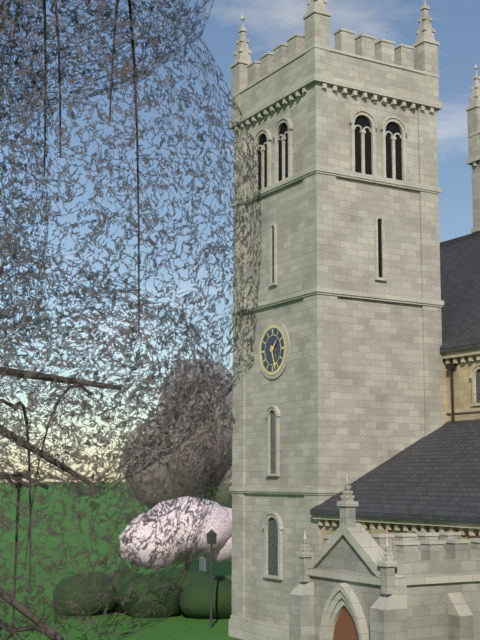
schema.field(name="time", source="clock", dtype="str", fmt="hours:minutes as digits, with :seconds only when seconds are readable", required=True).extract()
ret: 1:27
